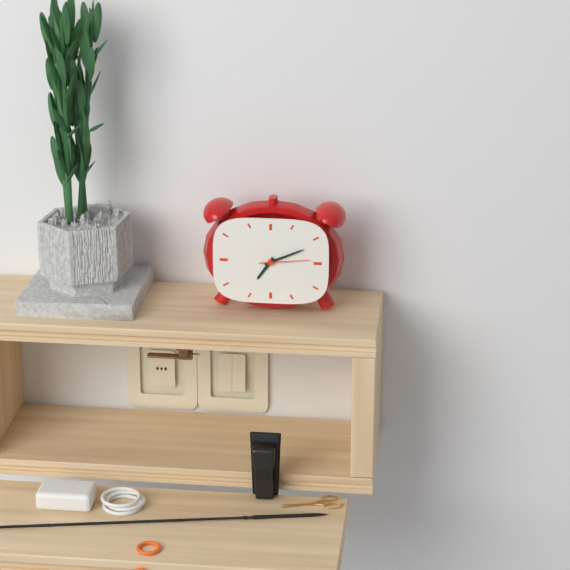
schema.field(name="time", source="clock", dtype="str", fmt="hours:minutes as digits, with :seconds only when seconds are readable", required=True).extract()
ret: 7:11
